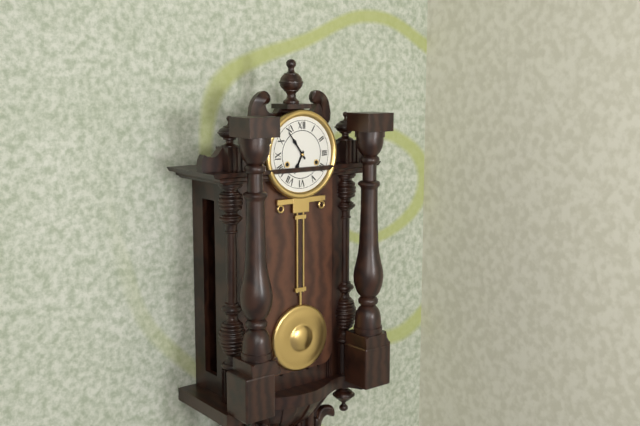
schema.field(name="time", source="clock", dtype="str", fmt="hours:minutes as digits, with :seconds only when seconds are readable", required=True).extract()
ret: 6:54
